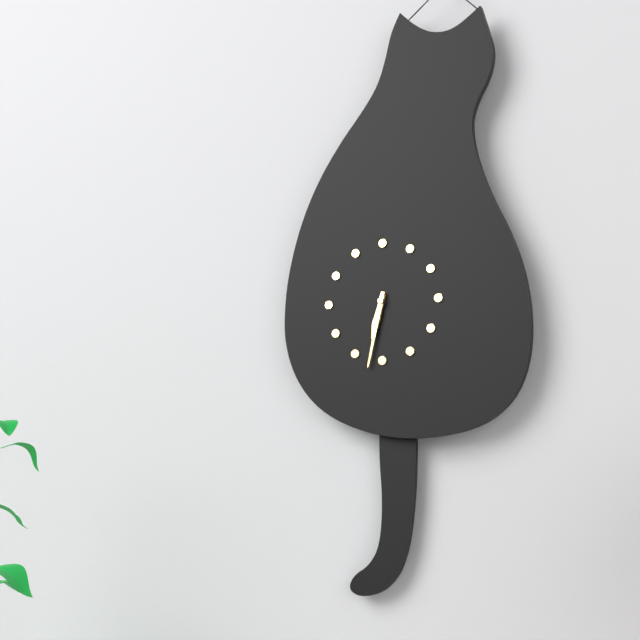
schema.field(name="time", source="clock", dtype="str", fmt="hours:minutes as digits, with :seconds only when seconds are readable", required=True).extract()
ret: 6:32
